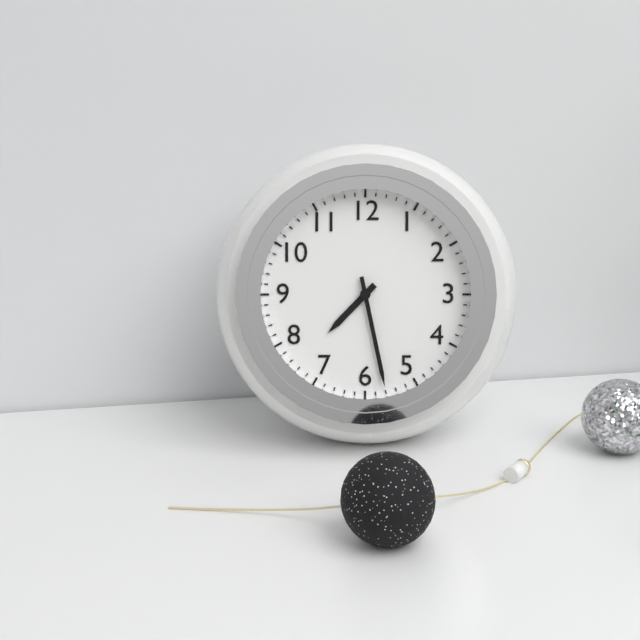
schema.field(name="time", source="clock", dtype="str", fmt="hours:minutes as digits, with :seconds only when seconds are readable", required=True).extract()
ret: 7:28
